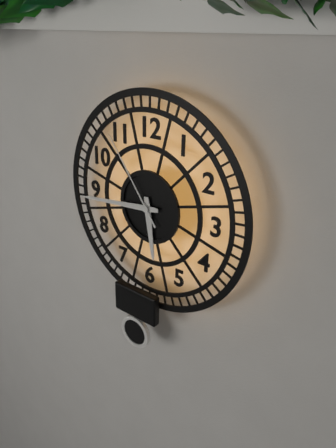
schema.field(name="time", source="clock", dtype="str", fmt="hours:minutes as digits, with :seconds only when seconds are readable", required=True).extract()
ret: 5:44:54
